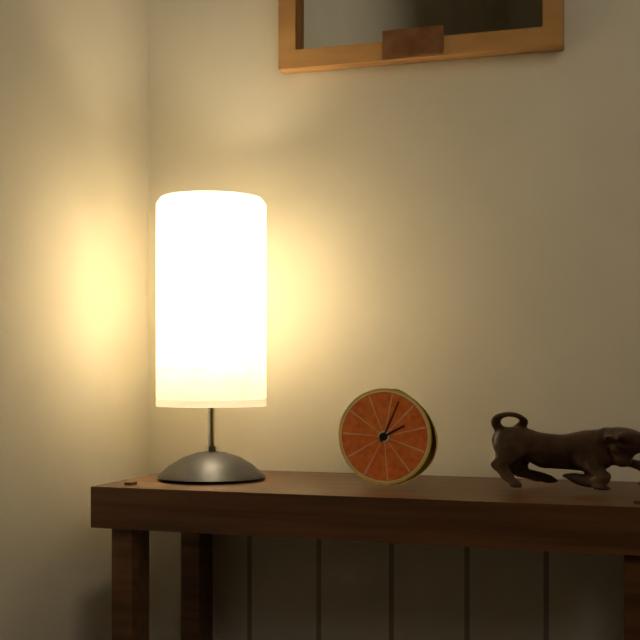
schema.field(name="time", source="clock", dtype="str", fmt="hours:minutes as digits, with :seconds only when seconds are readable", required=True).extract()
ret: 2:04
